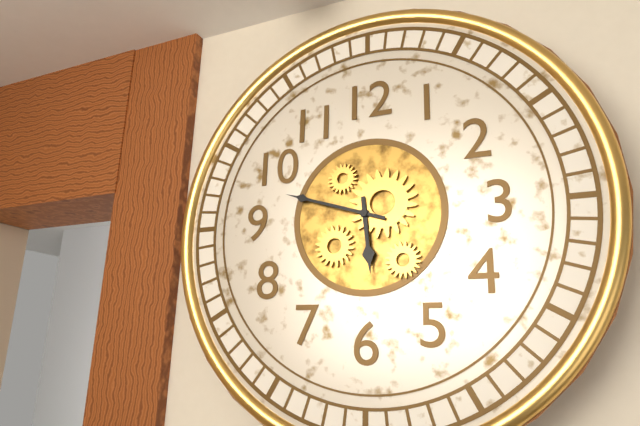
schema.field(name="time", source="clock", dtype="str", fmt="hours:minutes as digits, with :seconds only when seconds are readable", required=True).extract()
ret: 5:48
